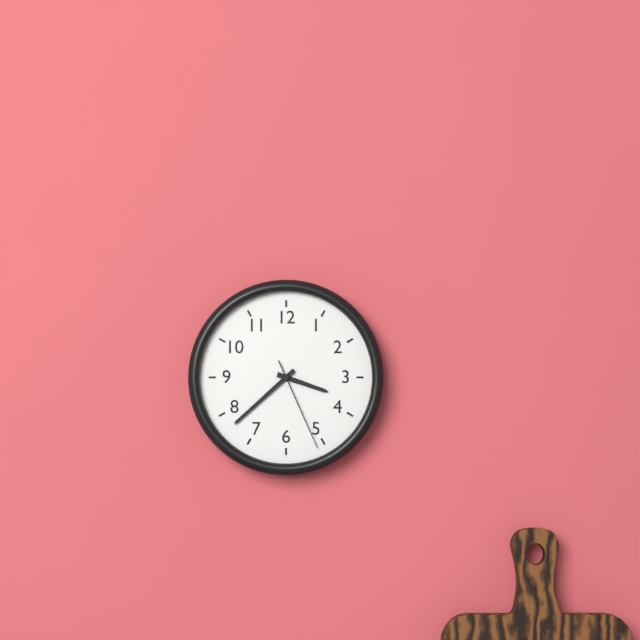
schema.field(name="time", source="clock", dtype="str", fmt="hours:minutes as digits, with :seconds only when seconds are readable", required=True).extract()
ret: 3:38:26
